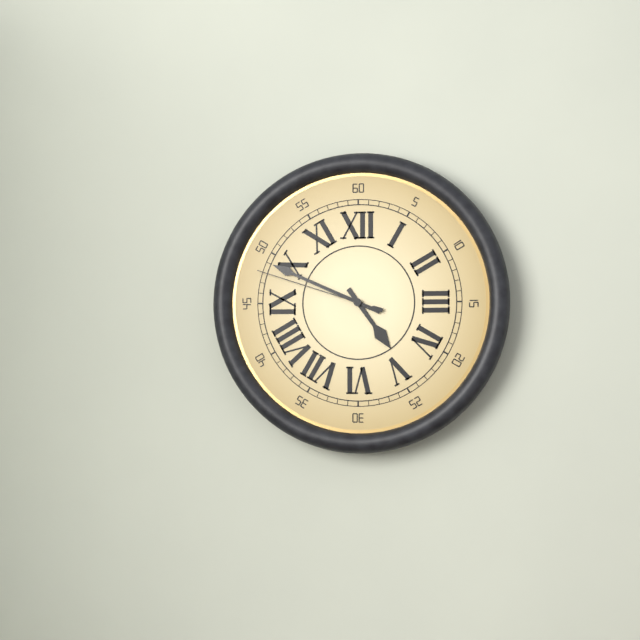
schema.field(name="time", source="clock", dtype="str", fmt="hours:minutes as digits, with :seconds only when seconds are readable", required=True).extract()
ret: 4:49:48
